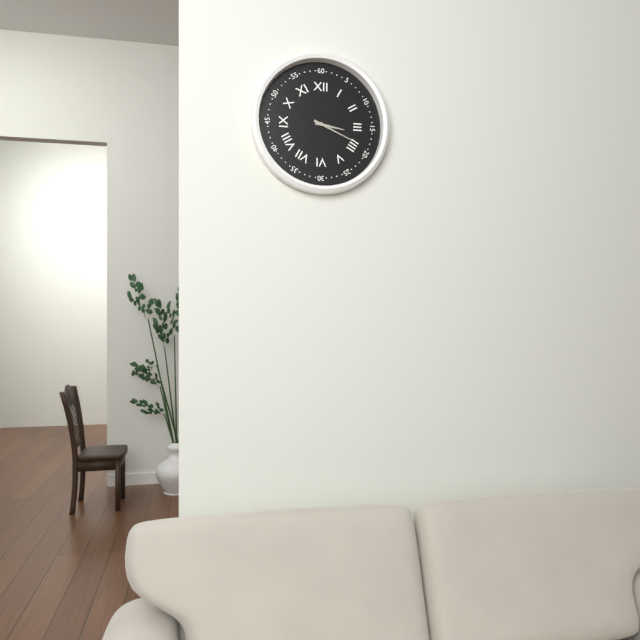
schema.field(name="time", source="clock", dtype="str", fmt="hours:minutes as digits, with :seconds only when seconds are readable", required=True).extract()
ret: 3:19
